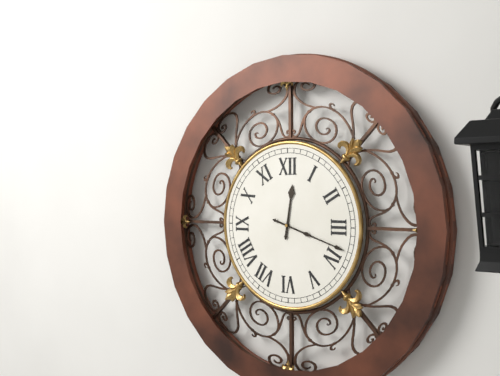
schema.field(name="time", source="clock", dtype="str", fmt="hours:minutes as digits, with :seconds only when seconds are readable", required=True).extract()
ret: 12:18
